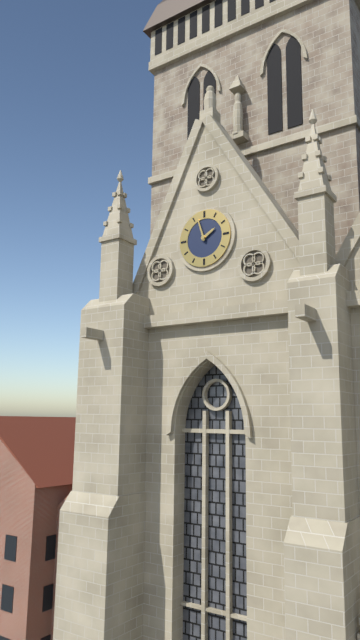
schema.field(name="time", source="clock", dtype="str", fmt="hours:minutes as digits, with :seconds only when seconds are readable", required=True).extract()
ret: 1:57
